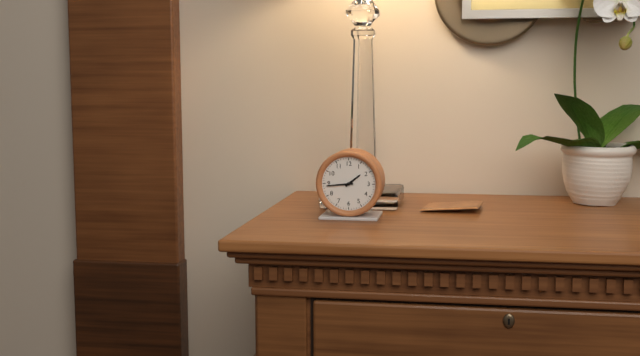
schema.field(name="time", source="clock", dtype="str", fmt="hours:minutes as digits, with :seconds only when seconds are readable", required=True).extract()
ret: 1:44
